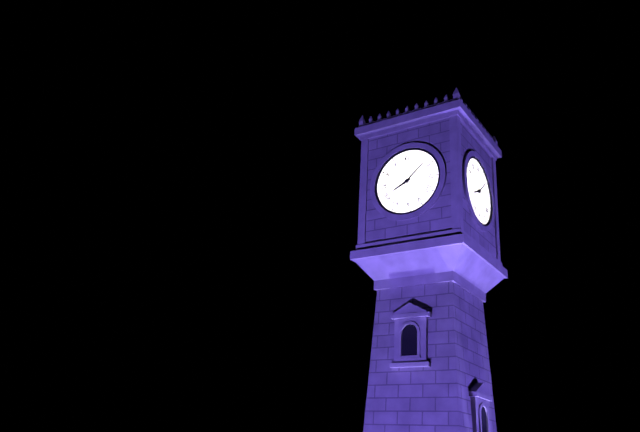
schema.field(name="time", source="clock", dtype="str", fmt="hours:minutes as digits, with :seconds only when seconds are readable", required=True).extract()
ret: 8:08
